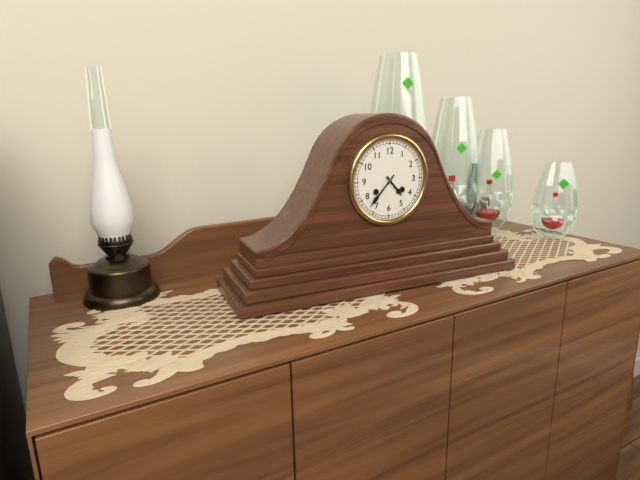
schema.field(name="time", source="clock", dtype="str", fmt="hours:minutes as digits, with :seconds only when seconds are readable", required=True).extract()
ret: 4:37
